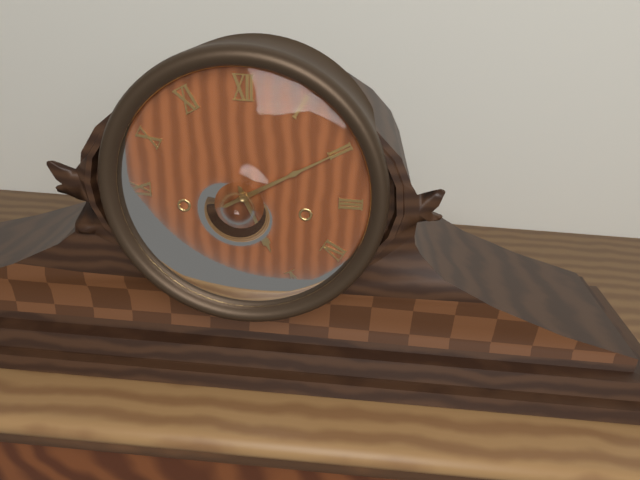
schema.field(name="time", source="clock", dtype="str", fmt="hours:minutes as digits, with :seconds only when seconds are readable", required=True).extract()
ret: 5:10
